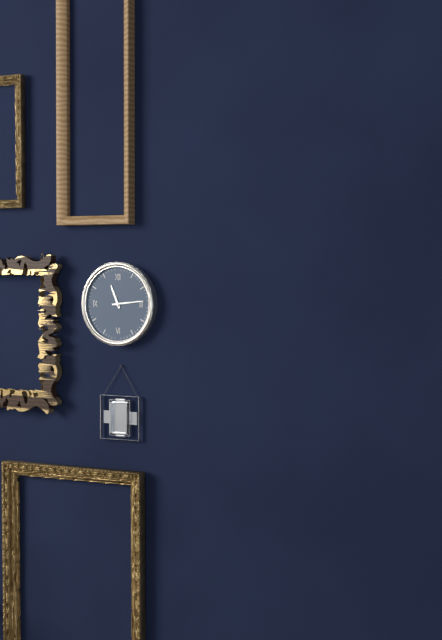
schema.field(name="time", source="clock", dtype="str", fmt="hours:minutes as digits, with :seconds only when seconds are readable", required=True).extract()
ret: 11:14
